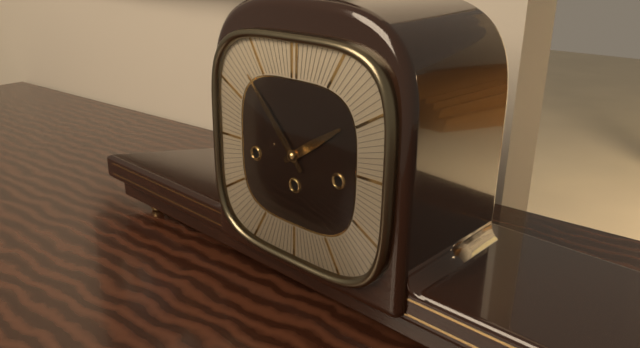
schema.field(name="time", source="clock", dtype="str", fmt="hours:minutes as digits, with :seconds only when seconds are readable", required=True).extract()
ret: 1:53
